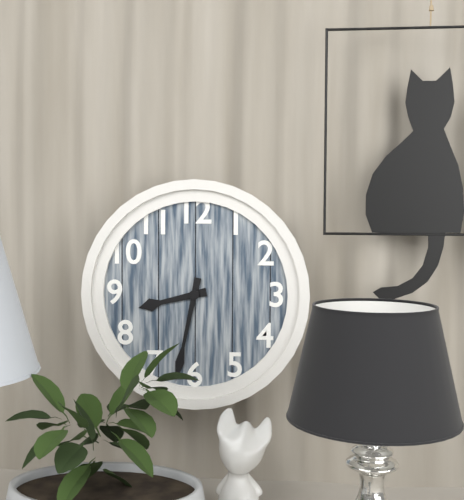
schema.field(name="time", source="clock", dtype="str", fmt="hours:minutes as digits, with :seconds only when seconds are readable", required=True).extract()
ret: 8:32
